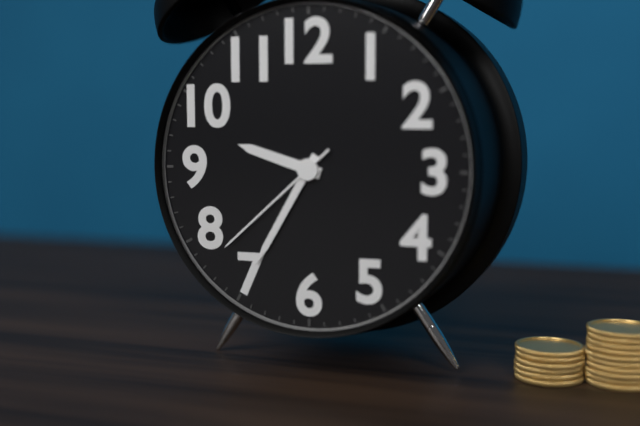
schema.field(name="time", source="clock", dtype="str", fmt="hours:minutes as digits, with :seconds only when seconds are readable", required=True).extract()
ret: 9:35:38
